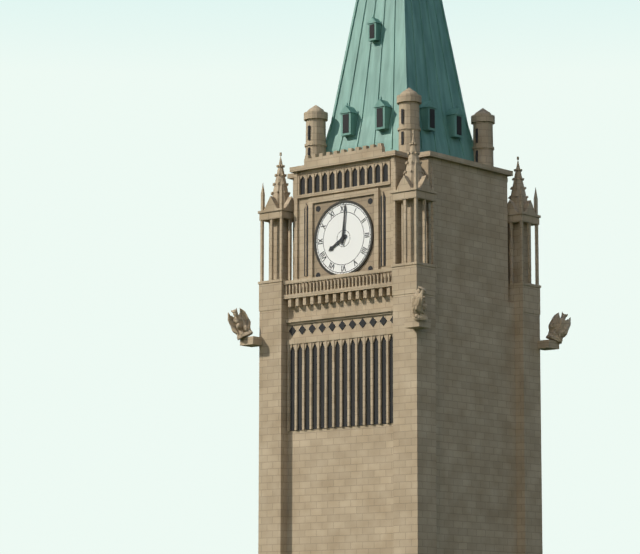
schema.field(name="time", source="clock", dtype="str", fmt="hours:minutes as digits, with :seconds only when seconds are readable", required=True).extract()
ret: 8:01
